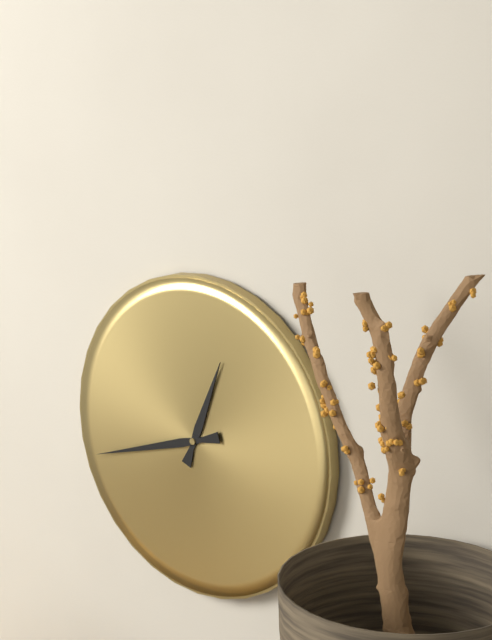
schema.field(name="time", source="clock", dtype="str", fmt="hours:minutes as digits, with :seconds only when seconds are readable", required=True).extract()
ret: 12:42
